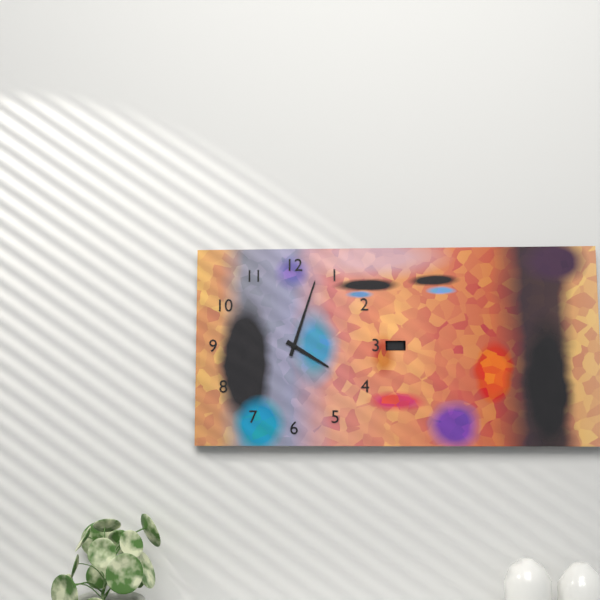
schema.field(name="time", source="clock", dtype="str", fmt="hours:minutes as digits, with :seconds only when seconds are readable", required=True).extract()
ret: 4:03
